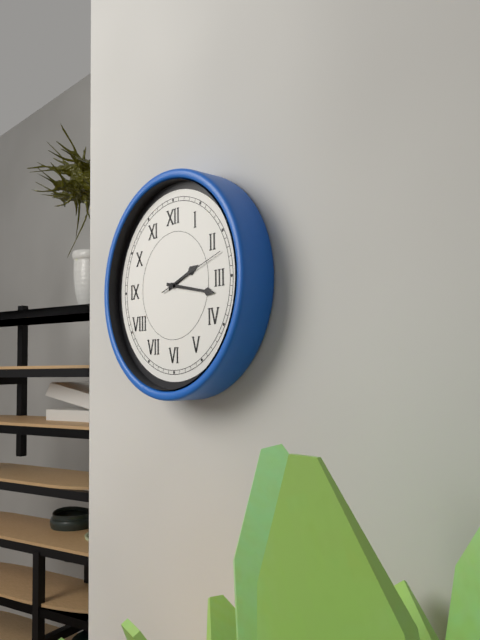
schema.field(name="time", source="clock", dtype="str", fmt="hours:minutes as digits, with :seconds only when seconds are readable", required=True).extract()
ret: 2:17:12
